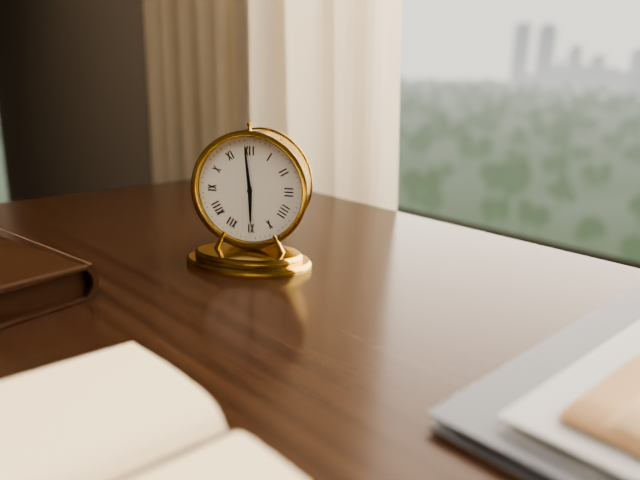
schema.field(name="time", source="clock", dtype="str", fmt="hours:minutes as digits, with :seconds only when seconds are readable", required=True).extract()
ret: 5:59
